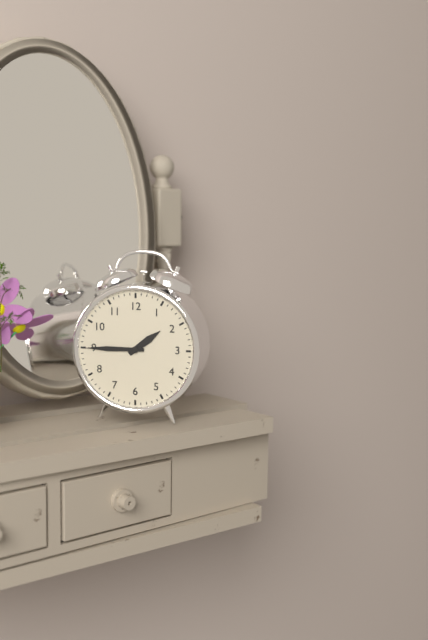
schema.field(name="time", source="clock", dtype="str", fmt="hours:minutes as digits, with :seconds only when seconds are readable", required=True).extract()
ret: 1:45
